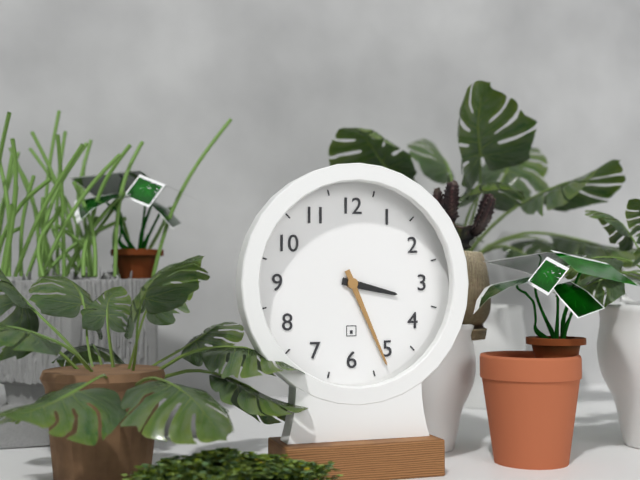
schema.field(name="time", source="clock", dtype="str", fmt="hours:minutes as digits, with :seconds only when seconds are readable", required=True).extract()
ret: 3:26
